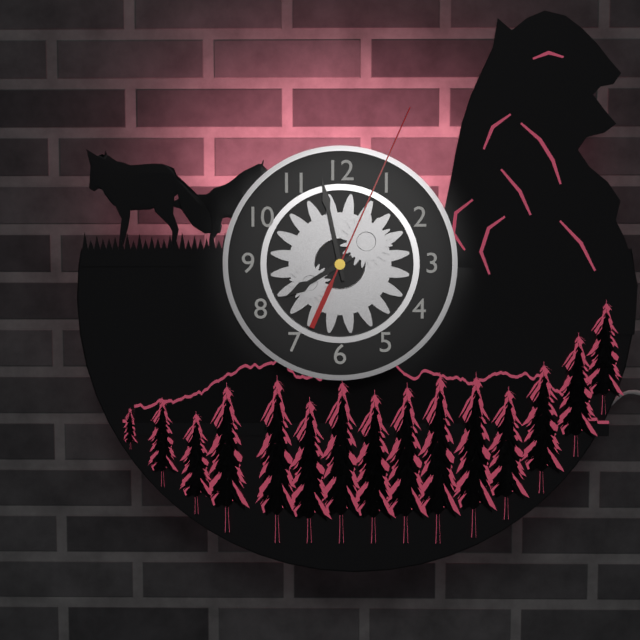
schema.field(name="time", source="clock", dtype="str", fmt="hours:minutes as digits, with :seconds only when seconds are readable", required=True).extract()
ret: 7:58:04
